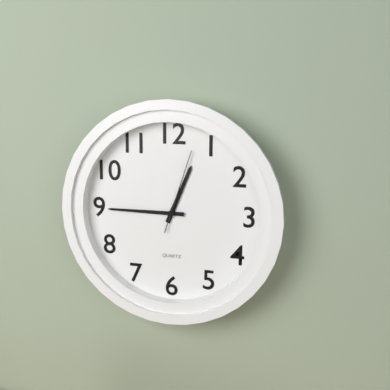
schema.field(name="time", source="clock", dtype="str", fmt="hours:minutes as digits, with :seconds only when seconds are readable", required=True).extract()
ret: 12:45:03
